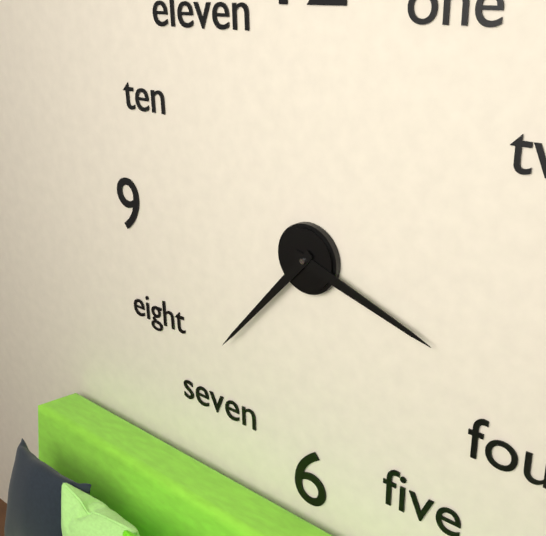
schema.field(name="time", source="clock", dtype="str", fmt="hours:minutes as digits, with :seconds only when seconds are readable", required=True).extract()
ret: 3:37
